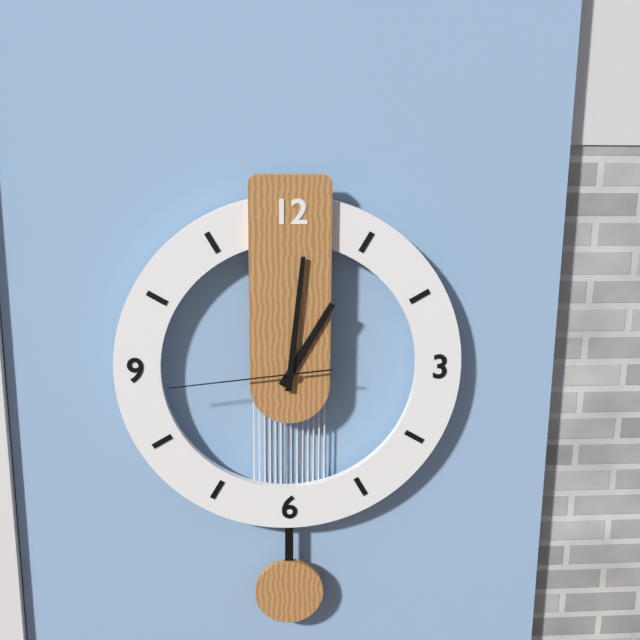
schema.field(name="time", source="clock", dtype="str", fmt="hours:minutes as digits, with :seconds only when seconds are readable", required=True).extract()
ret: 1:01:44
